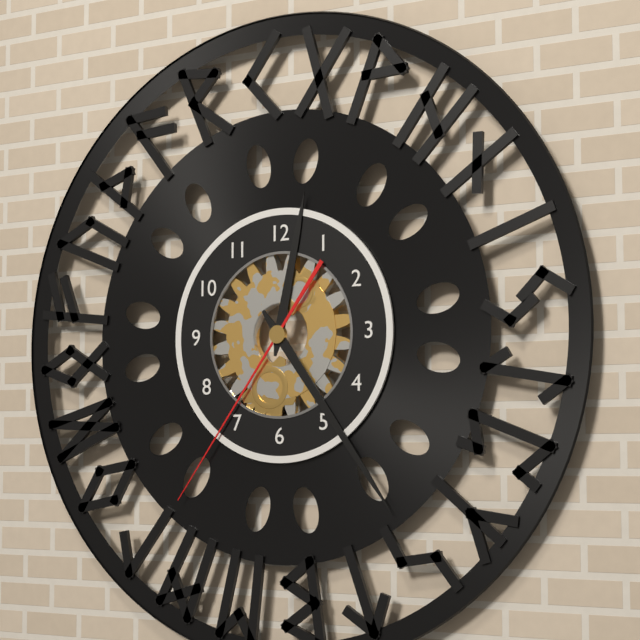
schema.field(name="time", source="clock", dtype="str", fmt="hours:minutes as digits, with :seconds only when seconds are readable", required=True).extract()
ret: 12:24:36
